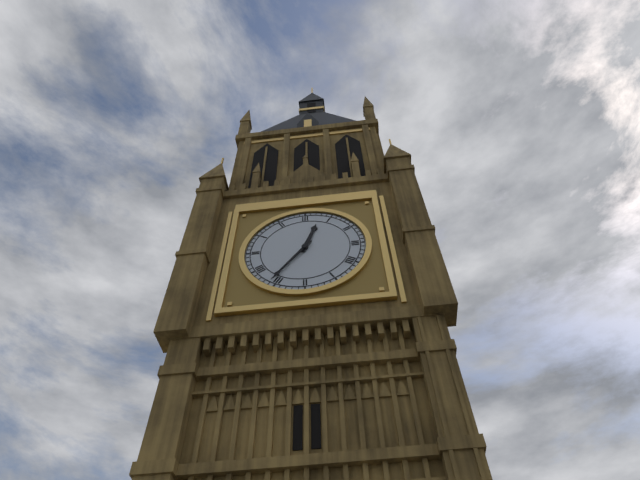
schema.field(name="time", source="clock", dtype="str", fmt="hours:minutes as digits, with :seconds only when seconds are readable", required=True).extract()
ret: 12:36
